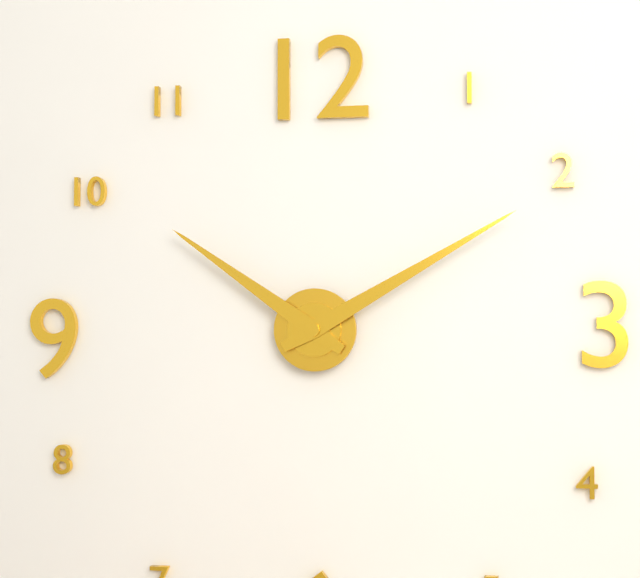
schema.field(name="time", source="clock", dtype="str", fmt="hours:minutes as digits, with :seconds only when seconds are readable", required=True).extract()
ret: 10:10
